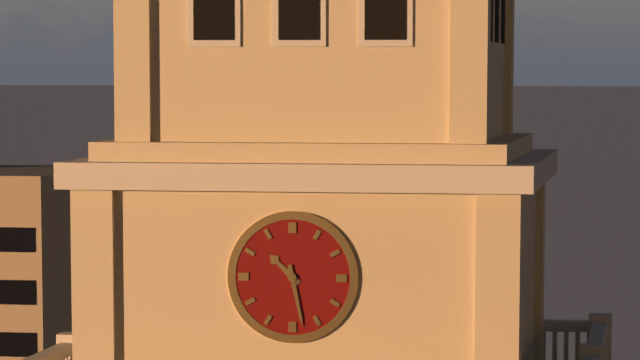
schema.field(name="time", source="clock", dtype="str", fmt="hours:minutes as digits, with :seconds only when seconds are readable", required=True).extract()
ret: 10:28
